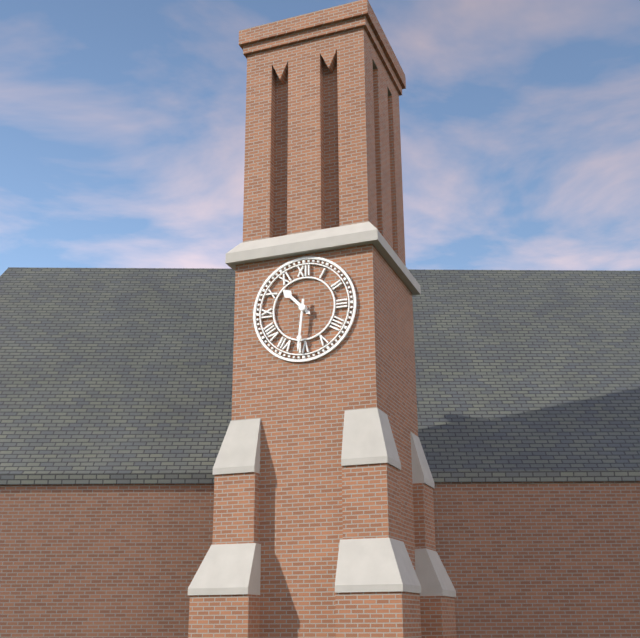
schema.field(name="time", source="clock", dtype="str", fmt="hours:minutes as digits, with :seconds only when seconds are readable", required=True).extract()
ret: 10:31
